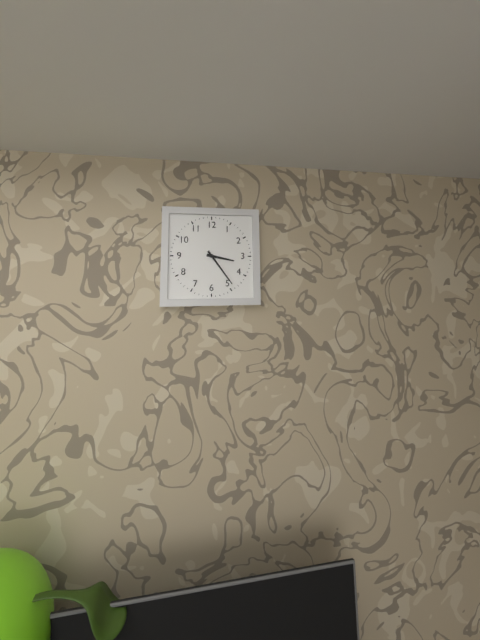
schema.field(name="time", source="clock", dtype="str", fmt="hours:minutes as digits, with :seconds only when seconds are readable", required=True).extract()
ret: 3:24
